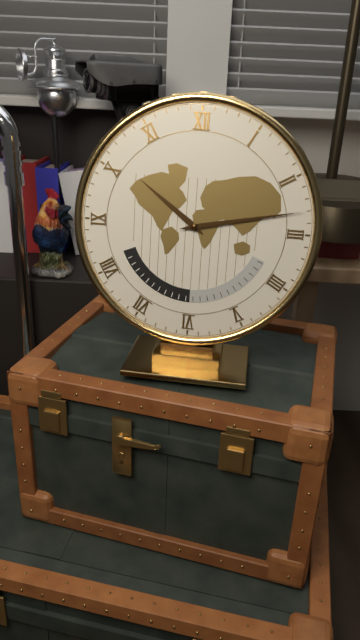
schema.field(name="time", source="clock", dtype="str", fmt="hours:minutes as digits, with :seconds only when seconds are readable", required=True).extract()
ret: 10:13
